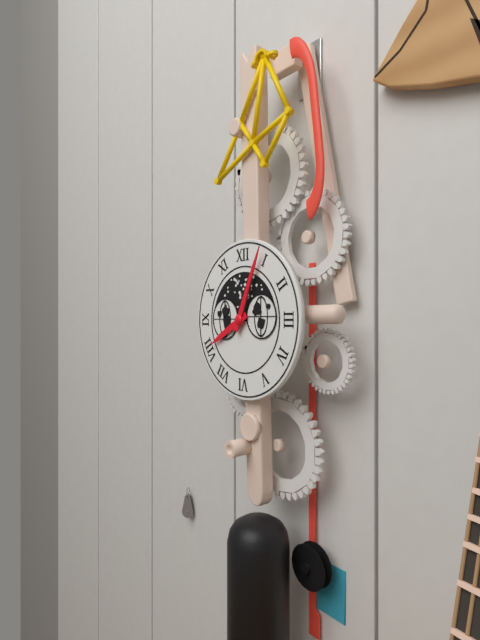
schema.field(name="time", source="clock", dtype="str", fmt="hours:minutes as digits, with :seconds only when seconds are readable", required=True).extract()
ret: 8:04
